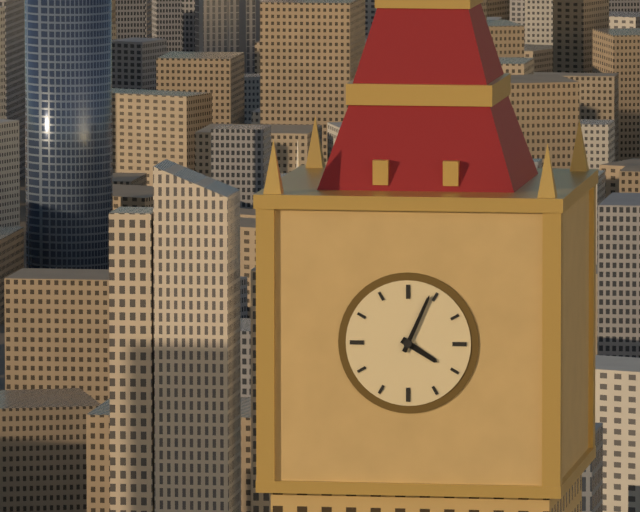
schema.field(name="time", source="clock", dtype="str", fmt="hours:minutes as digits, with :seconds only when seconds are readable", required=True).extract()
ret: 4:04
